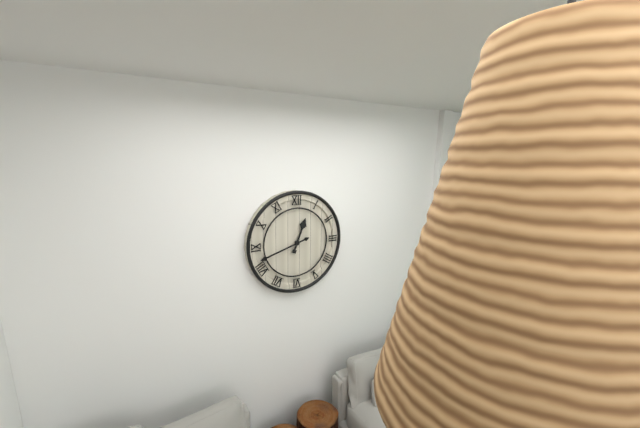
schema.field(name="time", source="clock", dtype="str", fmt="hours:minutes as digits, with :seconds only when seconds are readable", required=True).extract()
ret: 12:42
